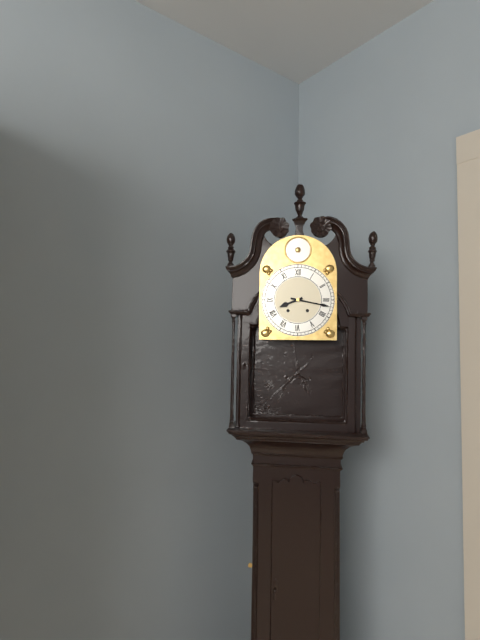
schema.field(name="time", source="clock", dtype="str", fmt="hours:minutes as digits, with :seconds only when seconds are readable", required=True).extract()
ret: 8:17
